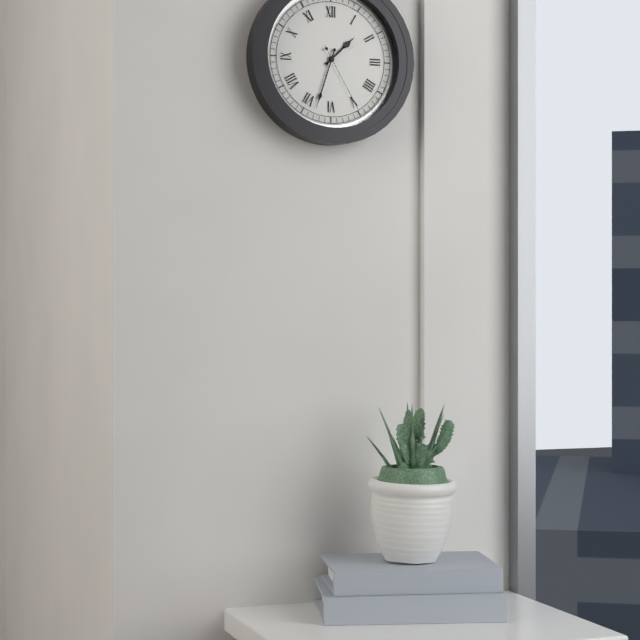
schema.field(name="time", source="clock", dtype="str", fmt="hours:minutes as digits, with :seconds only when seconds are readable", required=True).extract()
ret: 1:33:25
